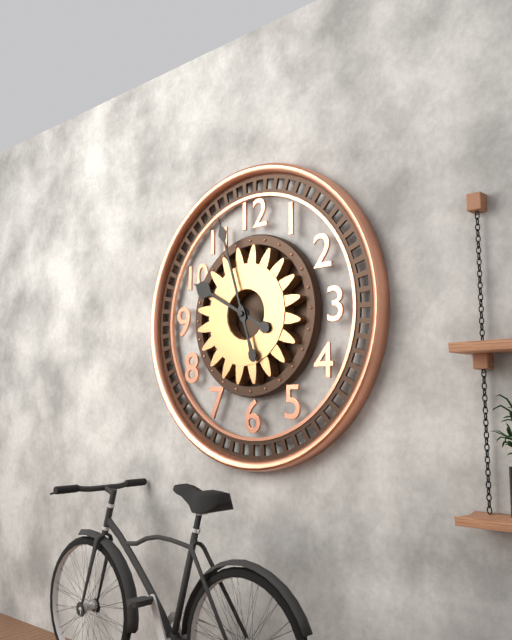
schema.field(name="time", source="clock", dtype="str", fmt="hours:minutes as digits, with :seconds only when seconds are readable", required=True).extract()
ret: 9:57
